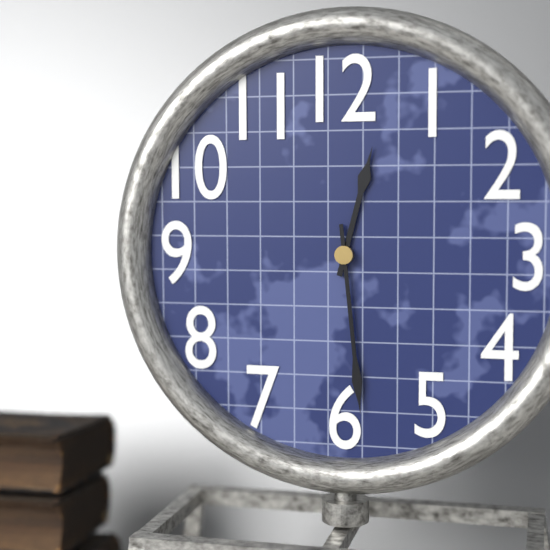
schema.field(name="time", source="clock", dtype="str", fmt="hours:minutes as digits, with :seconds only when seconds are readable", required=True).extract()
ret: 12:29
